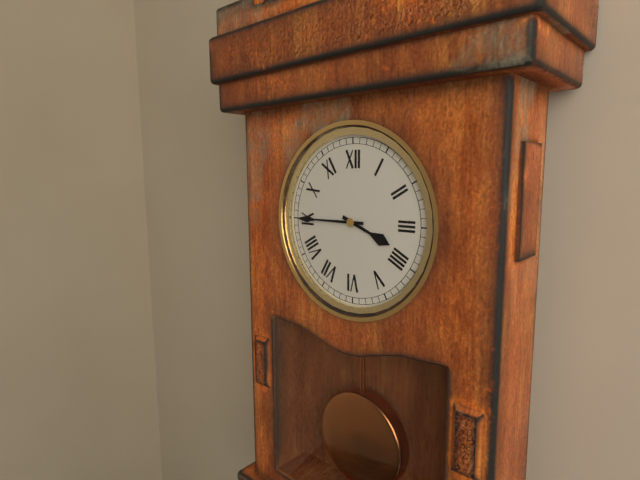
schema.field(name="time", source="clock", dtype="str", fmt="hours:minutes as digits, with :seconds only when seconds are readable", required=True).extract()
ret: 3:45
